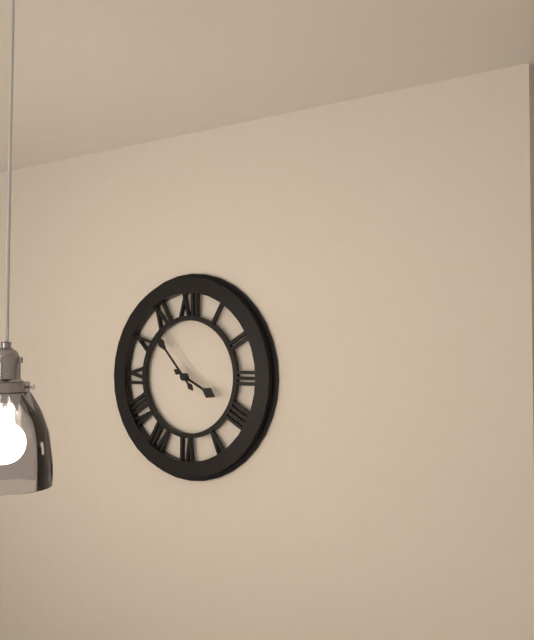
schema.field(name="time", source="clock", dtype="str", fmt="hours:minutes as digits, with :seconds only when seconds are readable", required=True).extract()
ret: 3:53
